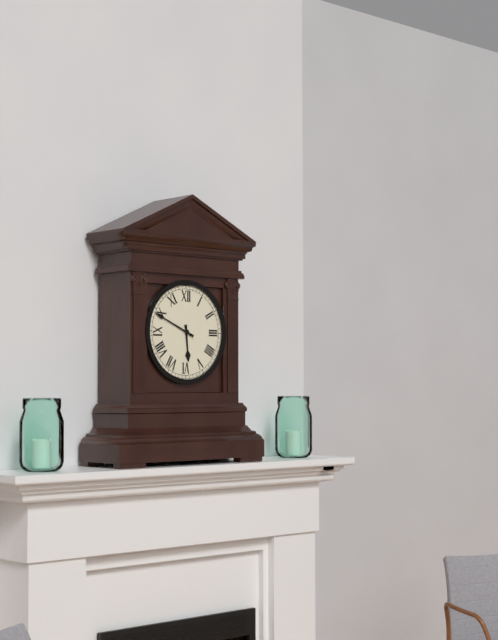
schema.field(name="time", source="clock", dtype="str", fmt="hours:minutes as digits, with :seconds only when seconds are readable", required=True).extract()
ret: 5:49
